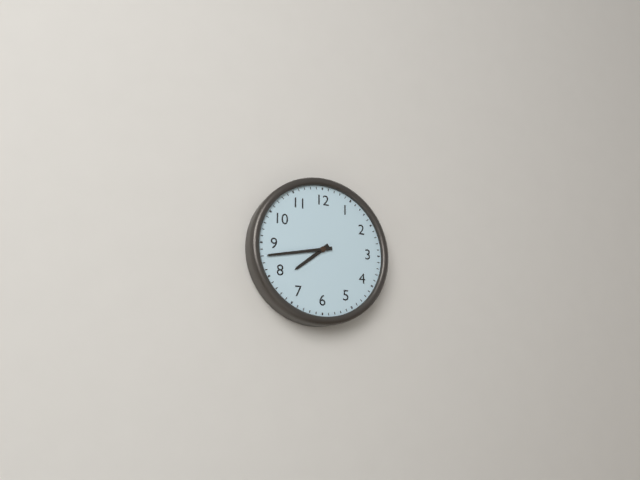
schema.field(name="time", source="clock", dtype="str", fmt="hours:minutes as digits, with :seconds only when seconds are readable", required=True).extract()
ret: 7:43
